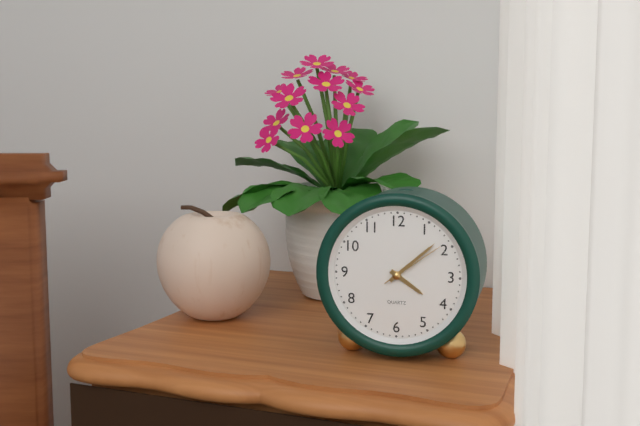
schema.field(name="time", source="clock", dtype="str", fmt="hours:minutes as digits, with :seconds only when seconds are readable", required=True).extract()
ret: 4:08:09
